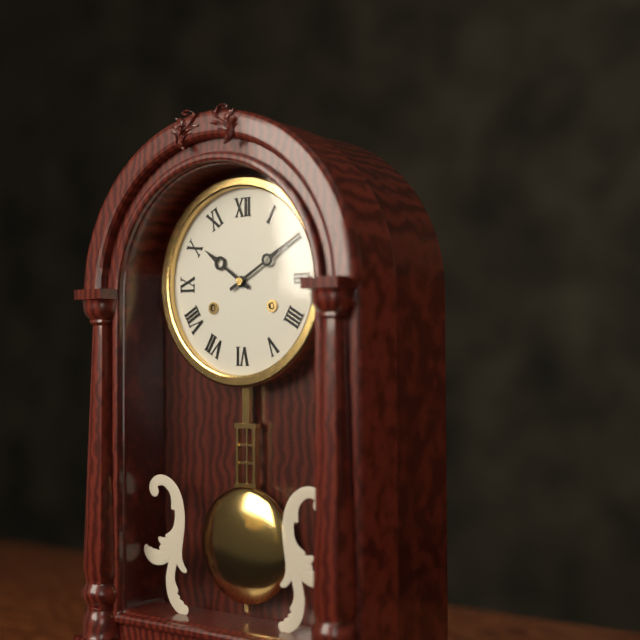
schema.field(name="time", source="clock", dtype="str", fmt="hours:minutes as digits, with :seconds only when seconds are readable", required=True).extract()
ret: 10:10
